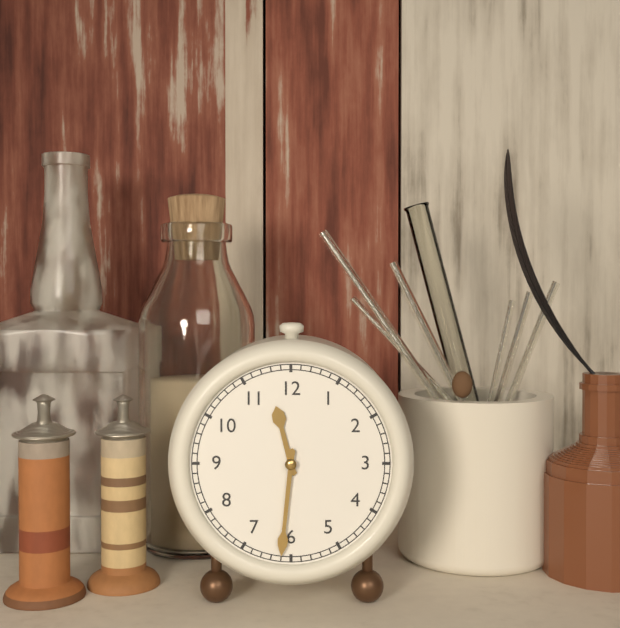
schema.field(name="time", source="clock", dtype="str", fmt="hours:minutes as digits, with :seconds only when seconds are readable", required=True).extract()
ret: 11:31
